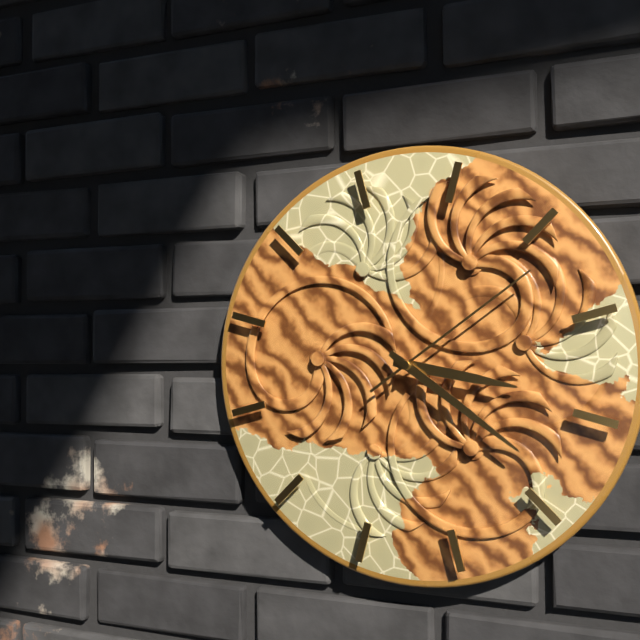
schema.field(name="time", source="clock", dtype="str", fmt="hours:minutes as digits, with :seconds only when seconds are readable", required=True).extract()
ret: 3:21:09
